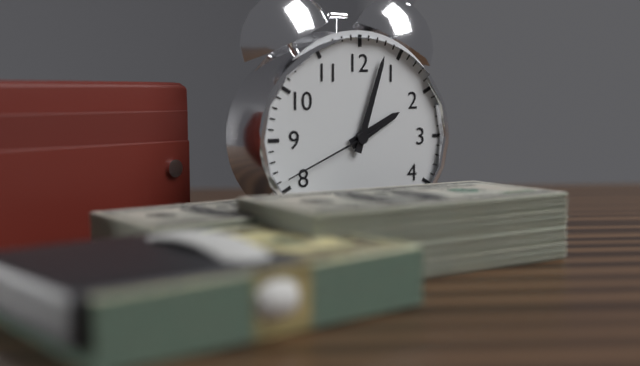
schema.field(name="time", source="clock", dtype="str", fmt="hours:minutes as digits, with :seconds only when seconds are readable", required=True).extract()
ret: 2:03:41
